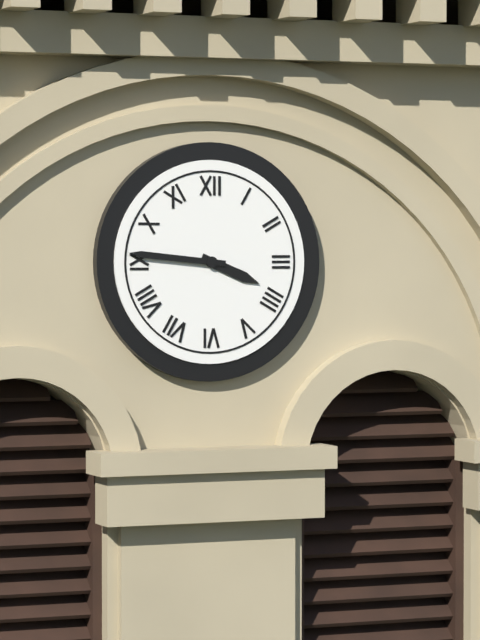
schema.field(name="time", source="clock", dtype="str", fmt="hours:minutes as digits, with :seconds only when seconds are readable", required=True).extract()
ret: 3:46
